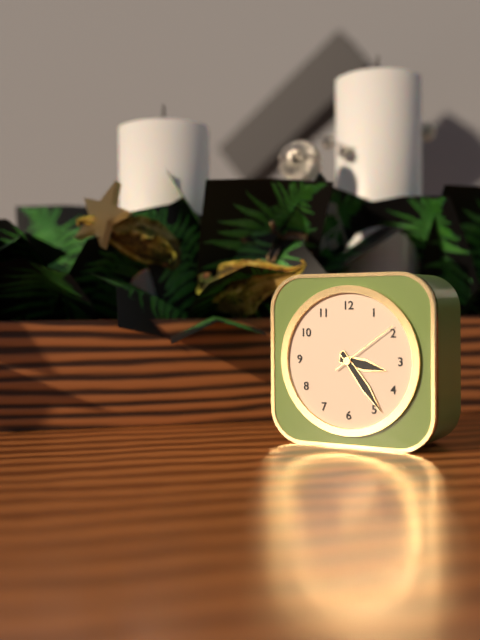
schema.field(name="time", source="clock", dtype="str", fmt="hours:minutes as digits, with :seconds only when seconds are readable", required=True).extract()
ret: 3:24:09
